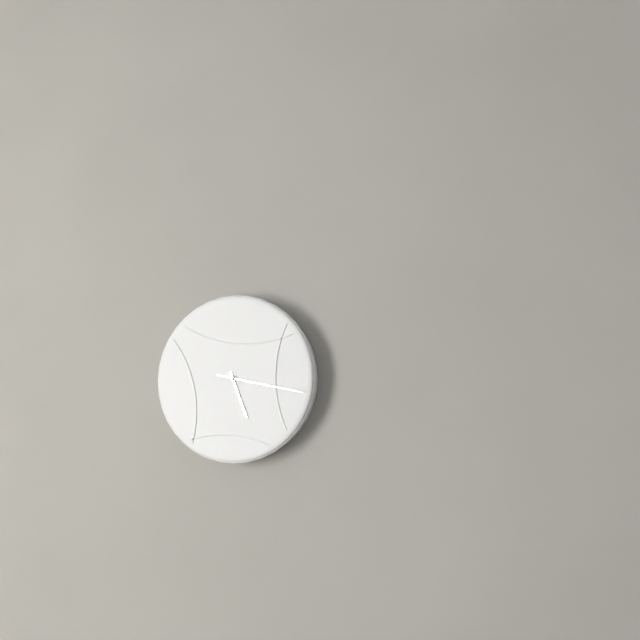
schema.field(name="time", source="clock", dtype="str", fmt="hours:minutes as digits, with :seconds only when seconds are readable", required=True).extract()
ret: 5:17
